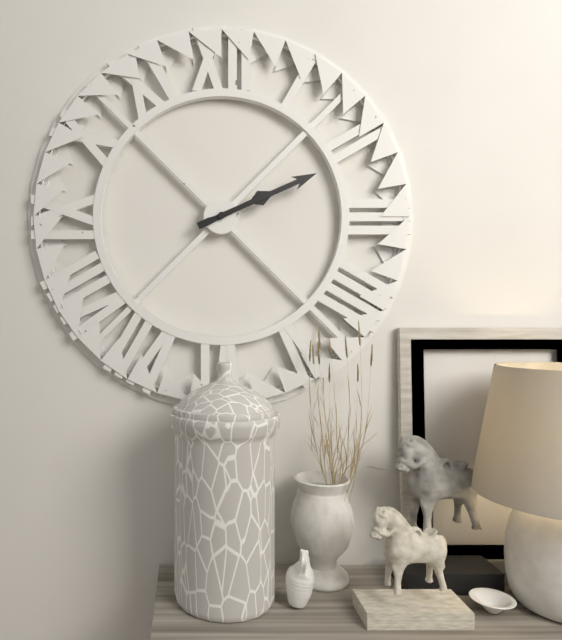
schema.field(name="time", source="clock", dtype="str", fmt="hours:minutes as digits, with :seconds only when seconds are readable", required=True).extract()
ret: 2:11
